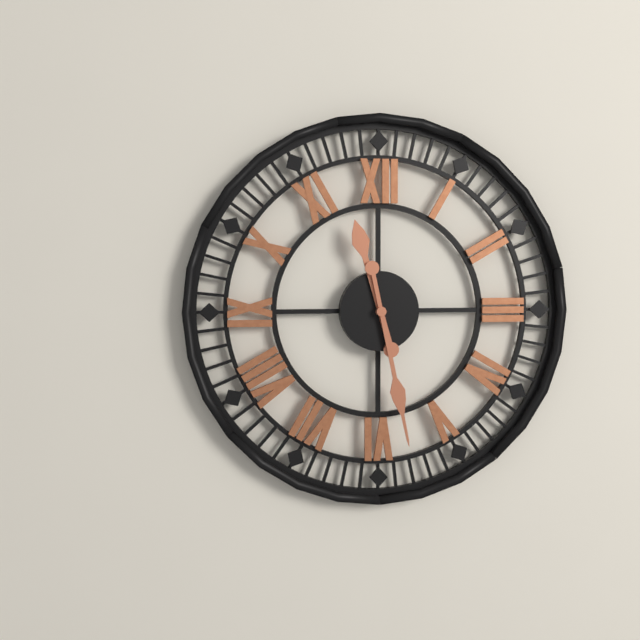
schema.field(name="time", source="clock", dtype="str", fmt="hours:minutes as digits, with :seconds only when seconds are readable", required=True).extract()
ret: 11:28
